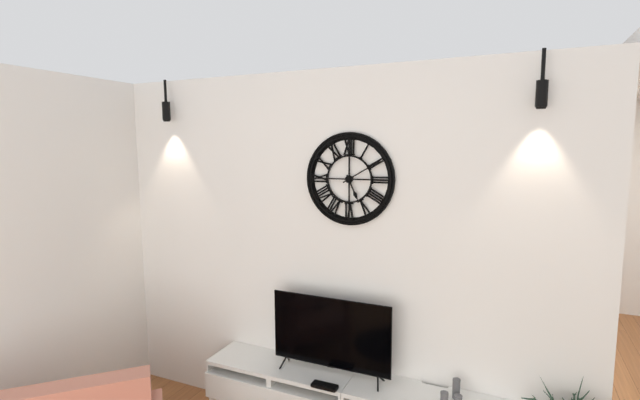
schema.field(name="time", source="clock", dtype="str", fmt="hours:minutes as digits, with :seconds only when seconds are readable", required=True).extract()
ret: 5:10
